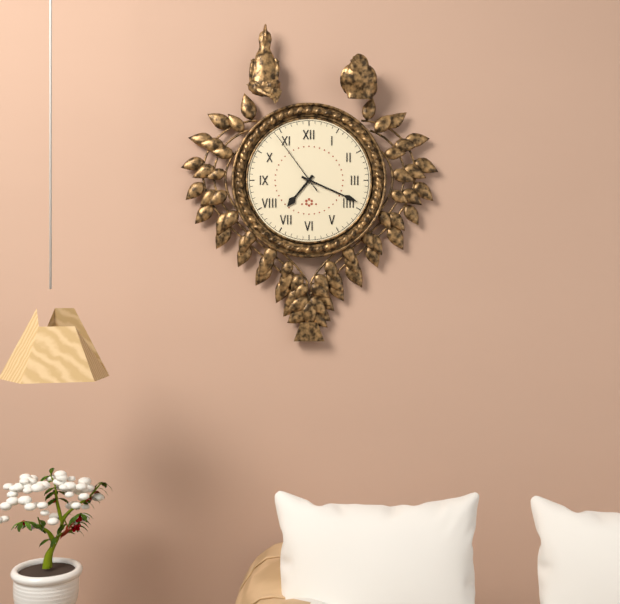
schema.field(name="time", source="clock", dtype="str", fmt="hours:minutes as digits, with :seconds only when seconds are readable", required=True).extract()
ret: 7:19:54
